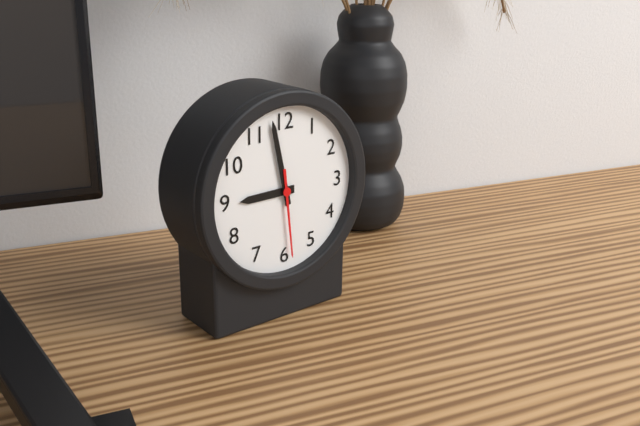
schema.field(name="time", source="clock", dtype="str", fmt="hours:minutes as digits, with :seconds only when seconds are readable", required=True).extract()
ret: 8:58:29
